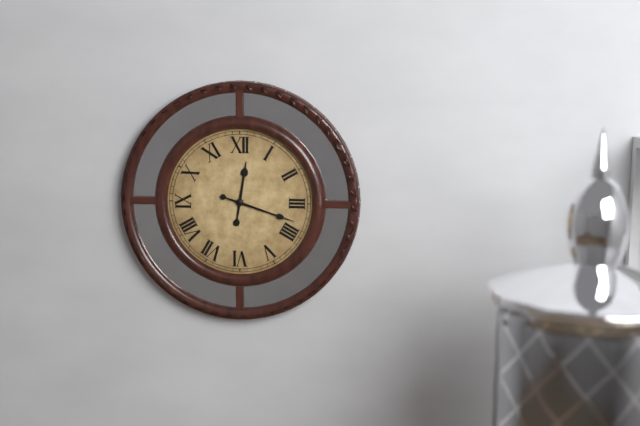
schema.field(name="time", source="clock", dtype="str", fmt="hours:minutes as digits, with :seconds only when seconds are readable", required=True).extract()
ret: 12:18
